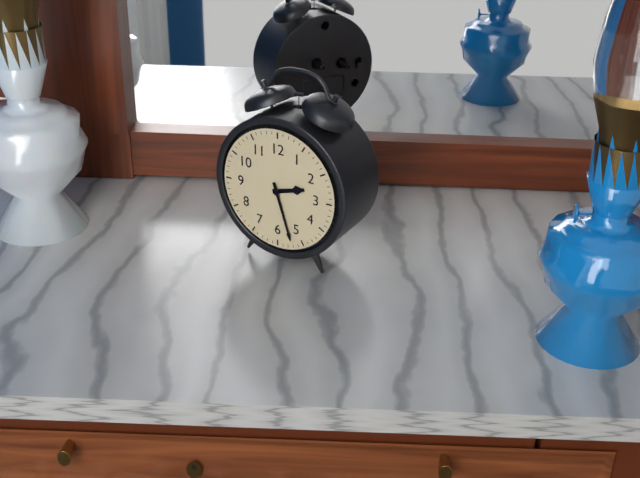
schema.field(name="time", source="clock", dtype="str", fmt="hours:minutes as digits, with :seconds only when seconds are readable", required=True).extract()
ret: 2:27
